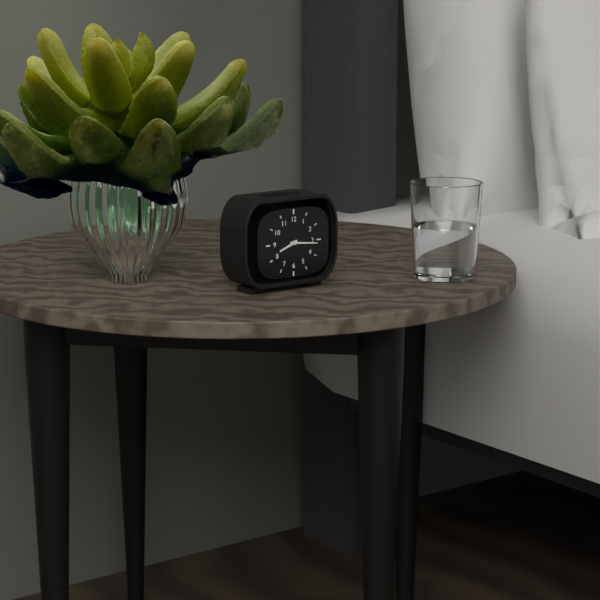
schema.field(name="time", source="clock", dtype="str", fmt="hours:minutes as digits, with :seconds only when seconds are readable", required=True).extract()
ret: 8:16
